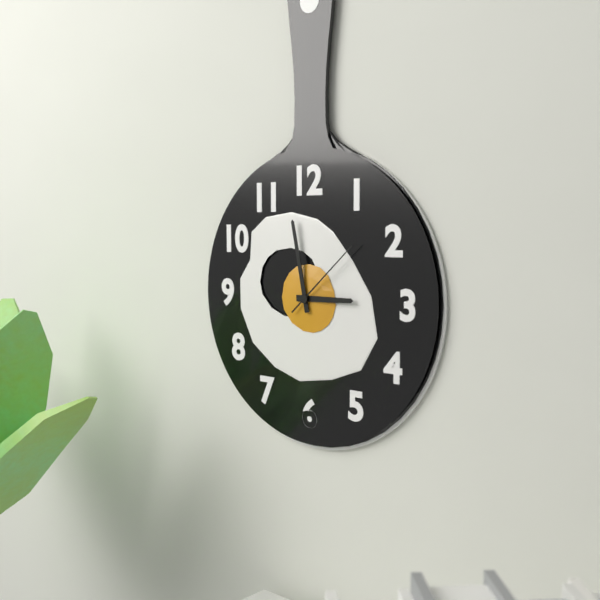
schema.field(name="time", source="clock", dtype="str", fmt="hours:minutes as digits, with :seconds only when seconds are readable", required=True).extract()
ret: 2:58:08
